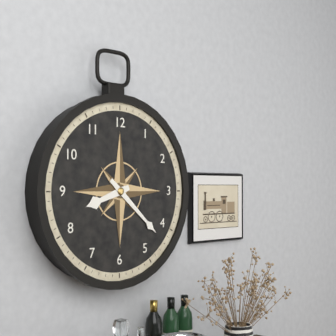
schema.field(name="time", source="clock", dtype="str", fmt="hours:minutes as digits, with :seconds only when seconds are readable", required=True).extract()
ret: 8:22
